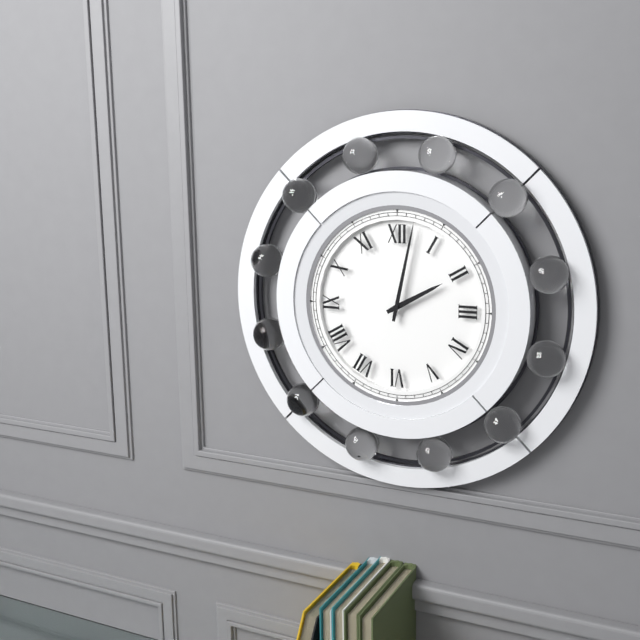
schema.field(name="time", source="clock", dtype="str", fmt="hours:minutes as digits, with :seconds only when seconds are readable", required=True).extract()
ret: 2:02
